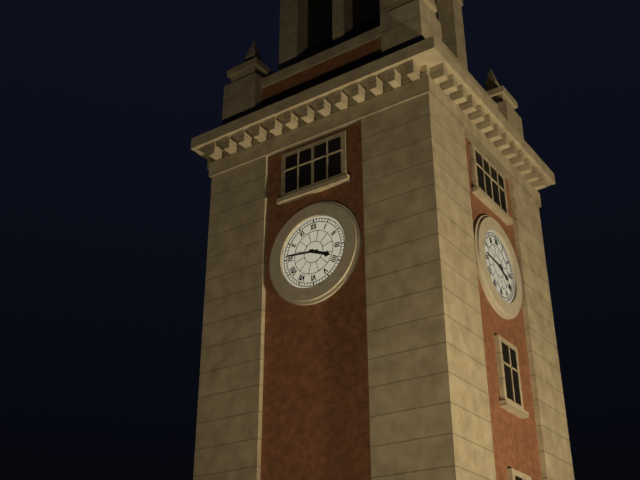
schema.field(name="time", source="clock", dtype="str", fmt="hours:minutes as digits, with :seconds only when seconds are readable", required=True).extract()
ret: 3:46
